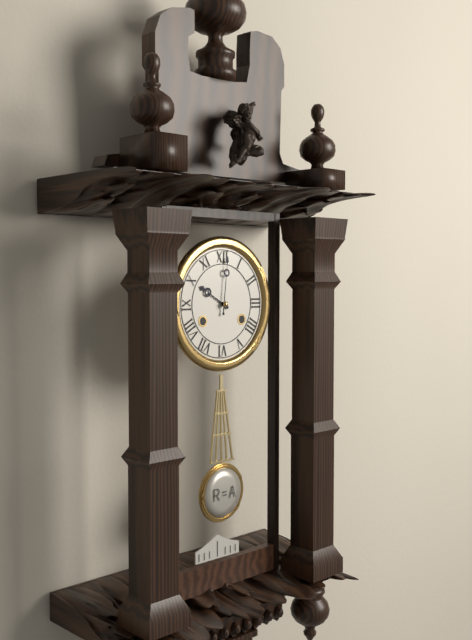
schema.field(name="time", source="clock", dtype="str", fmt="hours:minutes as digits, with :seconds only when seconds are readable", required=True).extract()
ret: 10:01
